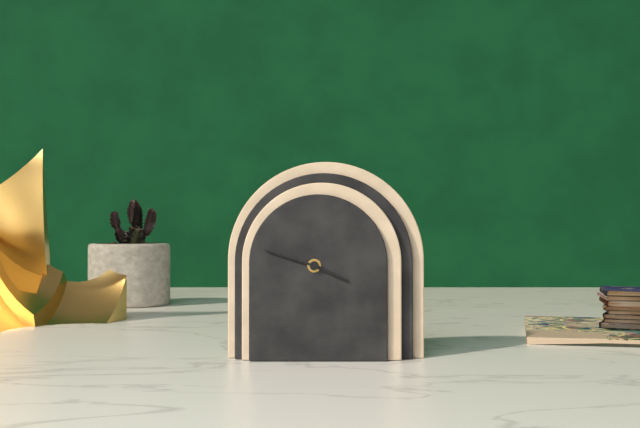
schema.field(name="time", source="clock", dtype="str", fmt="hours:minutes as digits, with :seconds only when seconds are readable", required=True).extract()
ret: 3:48
